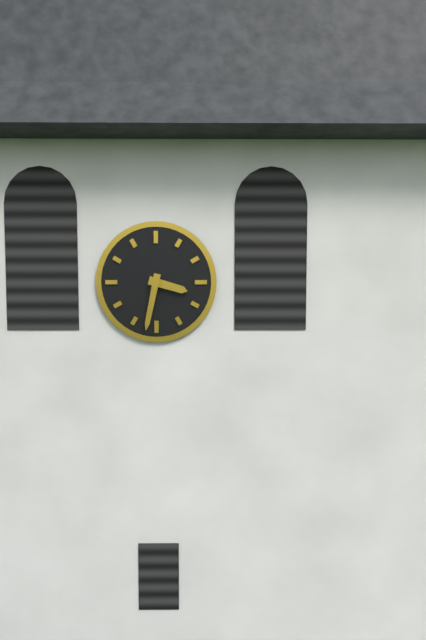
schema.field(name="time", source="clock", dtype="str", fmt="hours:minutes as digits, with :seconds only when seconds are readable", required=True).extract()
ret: 3:32
